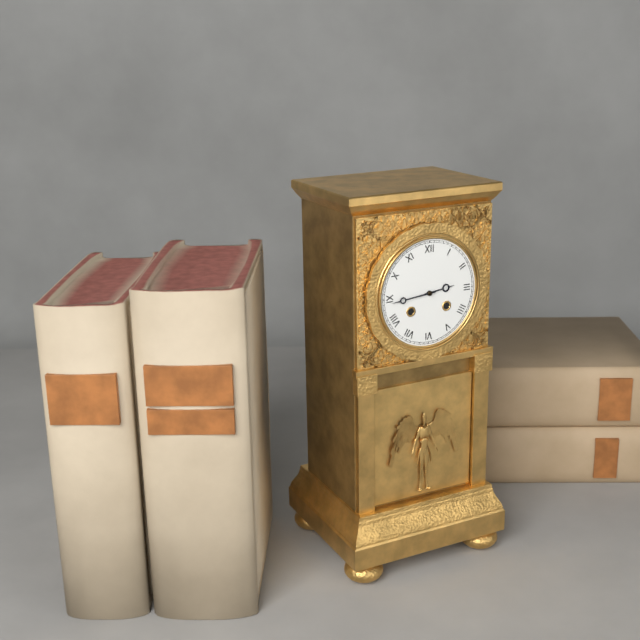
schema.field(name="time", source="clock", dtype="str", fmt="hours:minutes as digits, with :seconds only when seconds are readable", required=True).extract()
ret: 2:44
